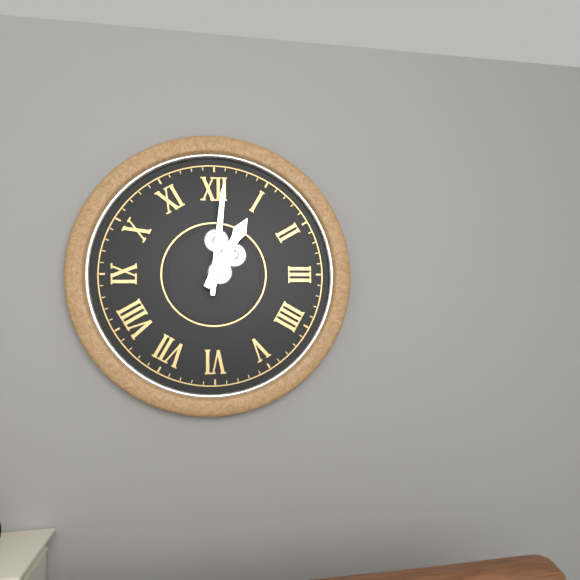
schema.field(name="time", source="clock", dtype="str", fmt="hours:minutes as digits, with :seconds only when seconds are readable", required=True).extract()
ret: 1:01
